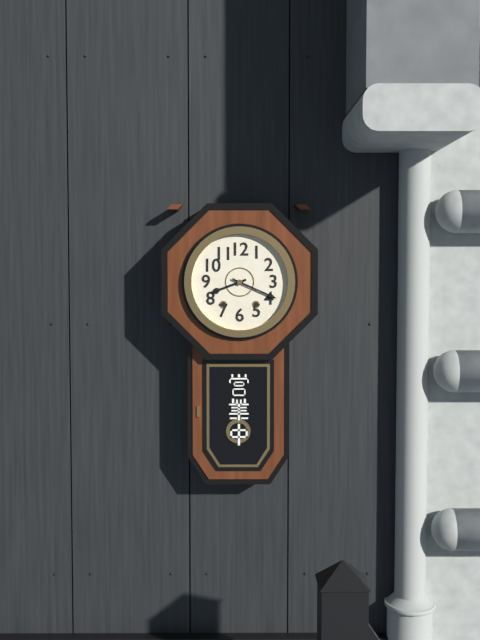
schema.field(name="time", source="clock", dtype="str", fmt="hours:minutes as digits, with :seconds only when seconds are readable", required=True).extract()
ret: 8:19
